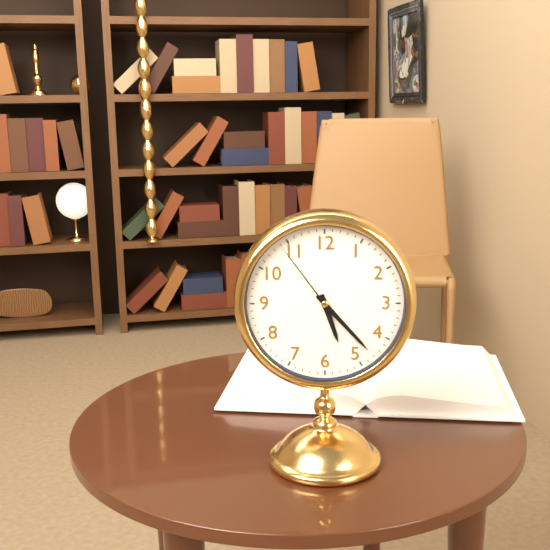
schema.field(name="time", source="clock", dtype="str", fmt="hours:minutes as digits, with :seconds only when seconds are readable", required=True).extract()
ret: 5:23:54
